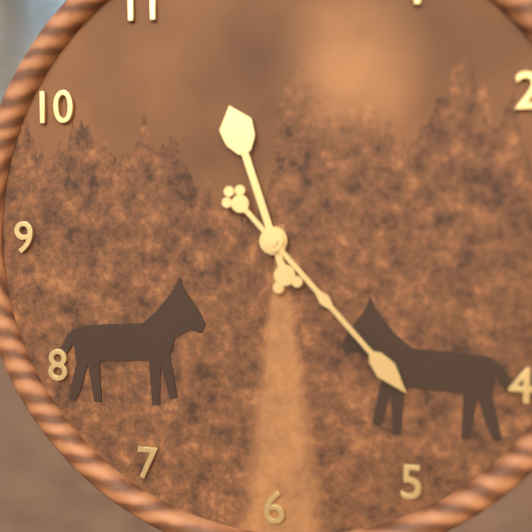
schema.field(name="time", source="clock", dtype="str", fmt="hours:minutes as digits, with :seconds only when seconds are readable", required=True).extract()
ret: 11:23
